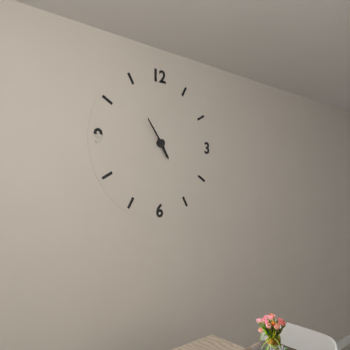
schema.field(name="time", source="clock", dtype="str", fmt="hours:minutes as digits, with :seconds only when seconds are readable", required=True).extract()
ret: 4:54
